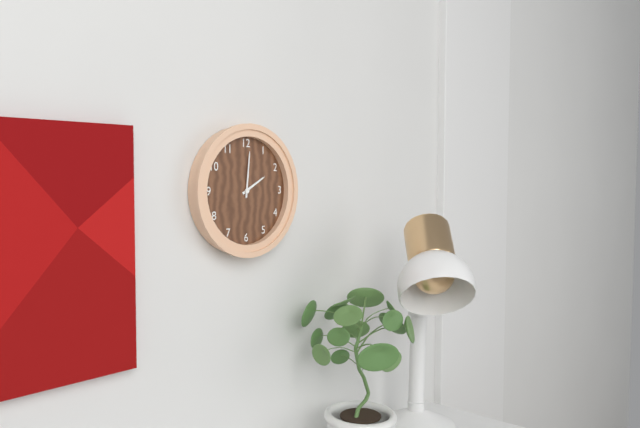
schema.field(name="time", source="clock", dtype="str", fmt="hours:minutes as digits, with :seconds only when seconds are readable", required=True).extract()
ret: 2:01
